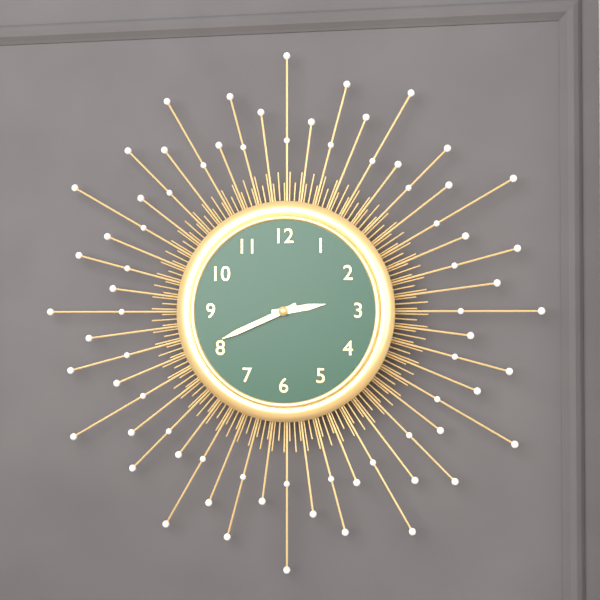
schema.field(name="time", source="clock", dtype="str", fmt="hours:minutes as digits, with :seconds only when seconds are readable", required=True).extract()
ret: 2:41
